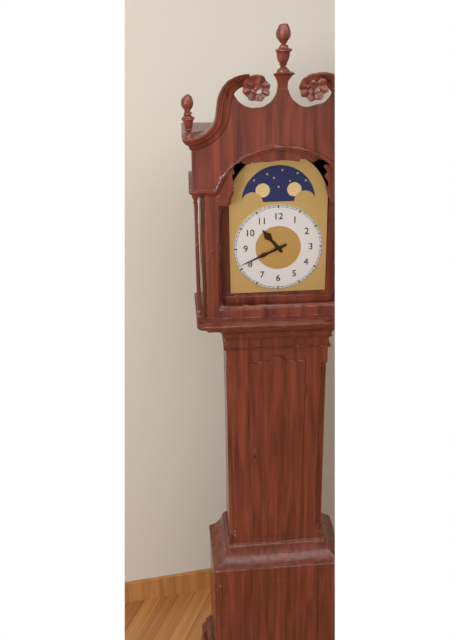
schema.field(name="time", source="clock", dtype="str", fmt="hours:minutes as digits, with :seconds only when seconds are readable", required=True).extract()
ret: 10:41
